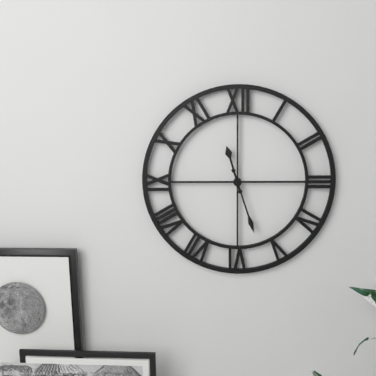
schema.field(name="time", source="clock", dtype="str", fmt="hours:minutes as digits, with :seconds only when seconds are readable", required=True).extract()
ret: 11:27
